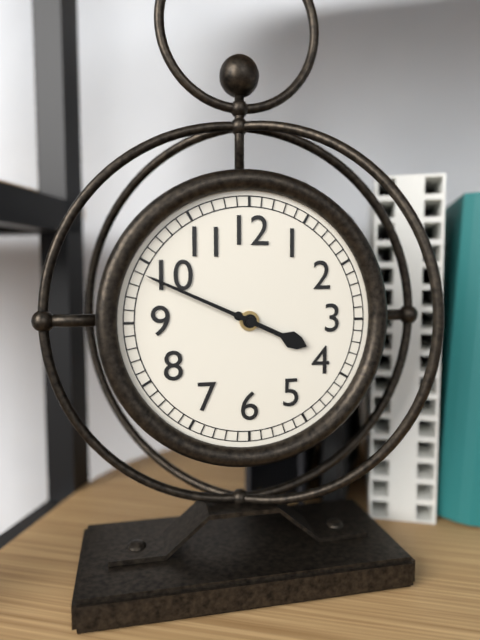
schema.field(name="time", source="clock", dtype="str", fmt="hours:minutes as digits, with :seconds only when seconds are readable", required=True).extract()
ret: 3:49
